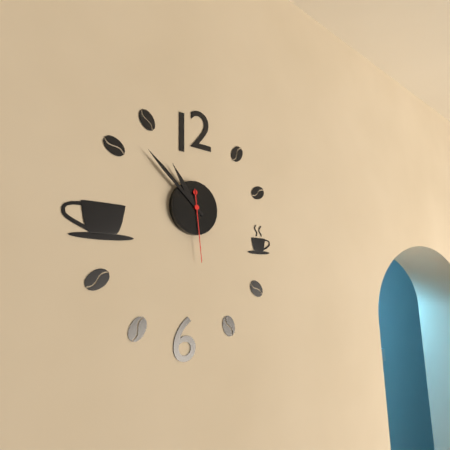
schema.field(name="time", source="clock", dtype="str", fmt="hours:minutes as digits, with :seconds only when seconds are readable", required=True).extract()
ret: 10:52:29
